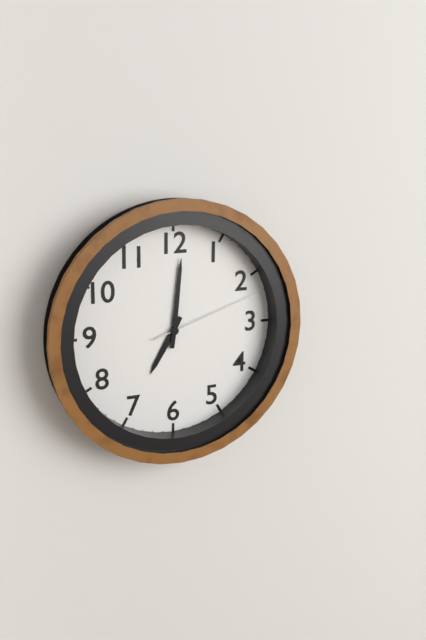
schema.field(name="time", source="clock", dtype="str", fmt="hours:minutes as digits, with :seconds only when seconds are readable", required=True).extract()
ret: 7:01:12
